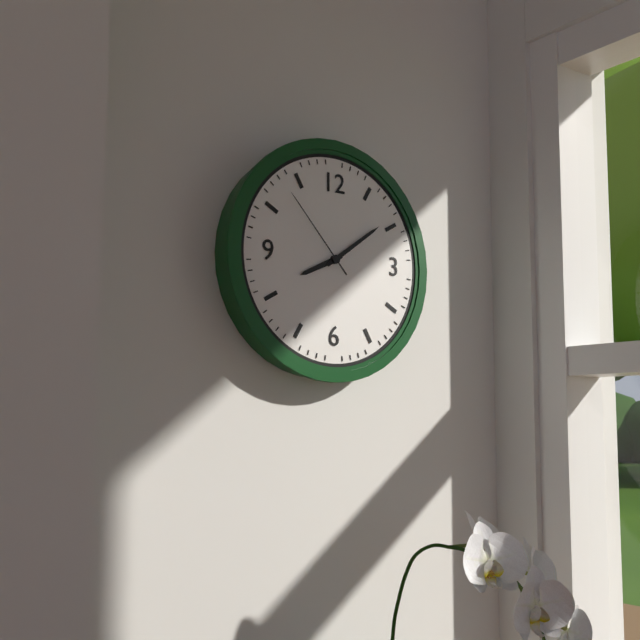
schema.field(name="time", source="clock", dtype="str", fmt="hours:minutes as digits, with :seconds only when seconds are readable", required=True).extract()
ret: 8:09:53
